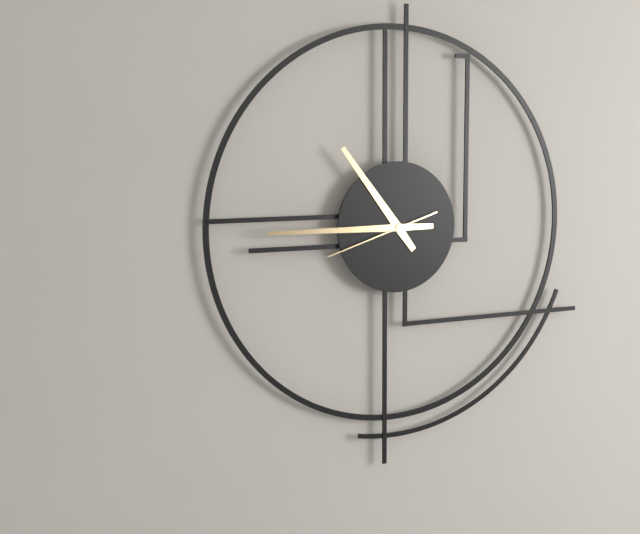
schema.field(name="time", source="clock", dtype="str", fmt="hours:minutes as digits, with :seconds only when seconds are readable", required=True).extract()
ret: 10:45:42
